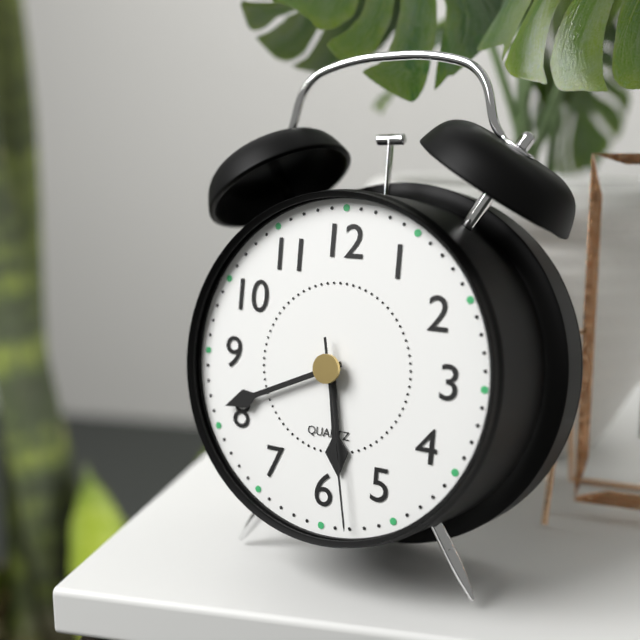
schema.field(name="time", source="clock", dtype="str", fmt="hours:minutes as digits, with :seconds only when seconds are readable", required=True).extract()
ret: 5:41:28
